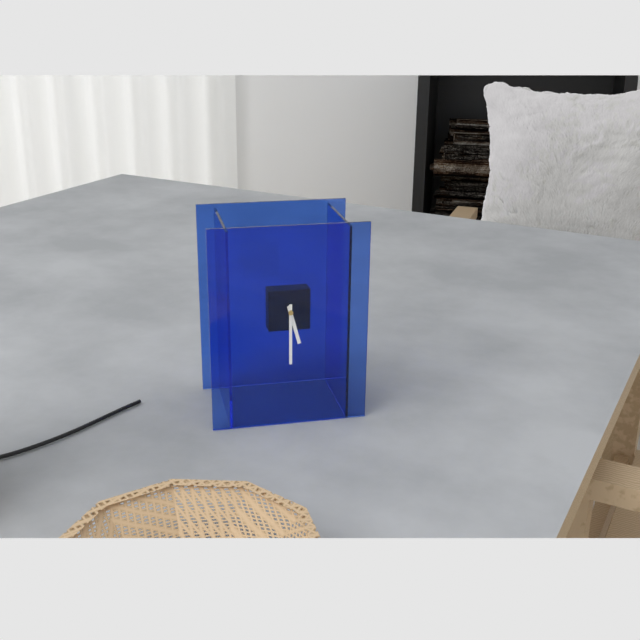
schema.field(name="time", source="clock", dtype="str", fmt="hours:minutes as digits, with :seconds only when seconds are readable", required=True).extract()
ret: 5:30
